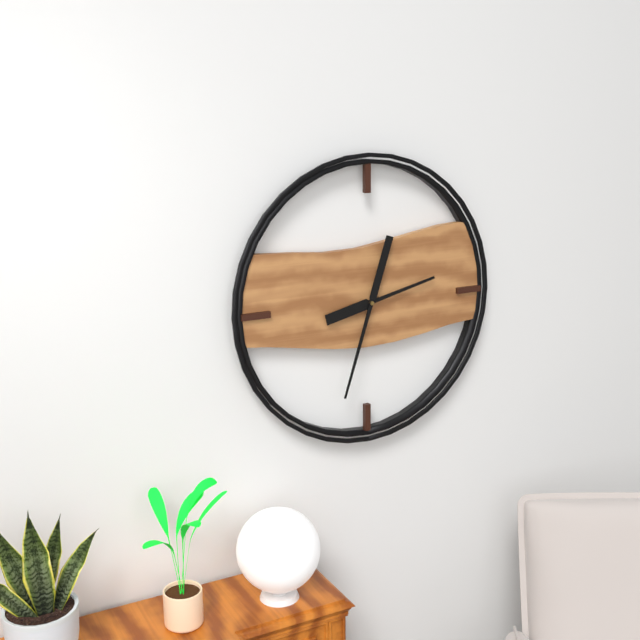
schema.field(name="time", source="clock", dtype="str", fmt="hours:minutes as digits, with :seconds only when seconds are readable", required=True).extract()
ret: 2:33
